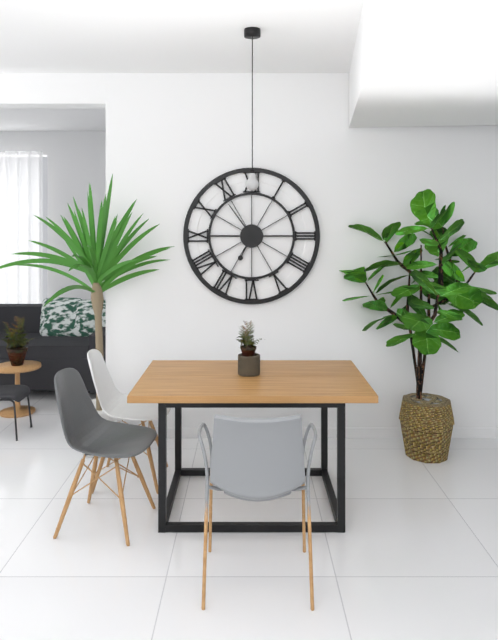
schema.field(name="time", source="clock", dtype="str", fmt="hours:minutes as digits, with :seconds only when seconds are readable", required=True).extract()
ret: 6:54
